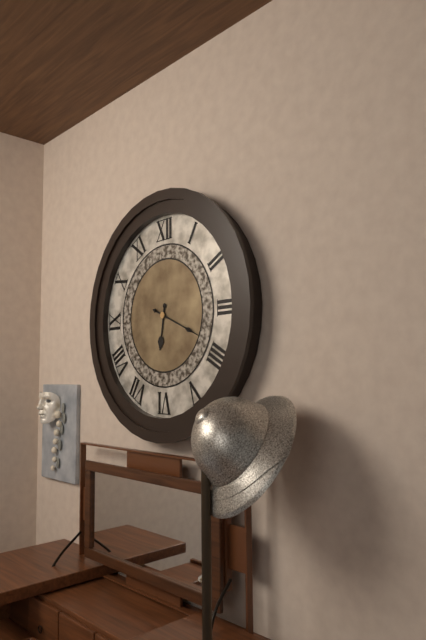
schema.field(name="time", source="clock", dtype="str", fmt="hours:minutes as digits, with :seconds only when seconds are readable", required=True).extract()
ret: 6:19
